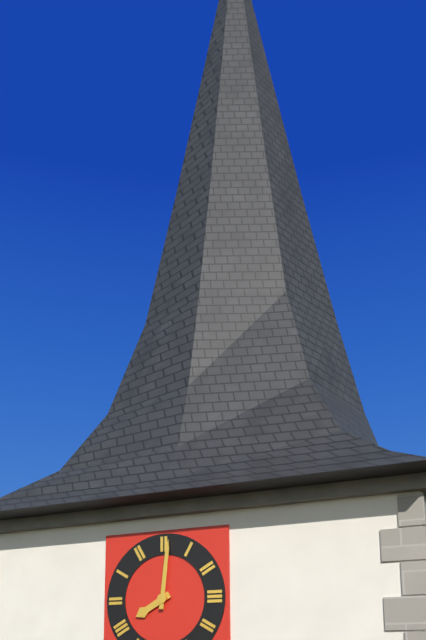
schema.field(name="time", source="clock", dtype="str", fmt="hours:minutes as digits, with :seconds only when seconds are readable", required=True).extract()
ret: 8:01
